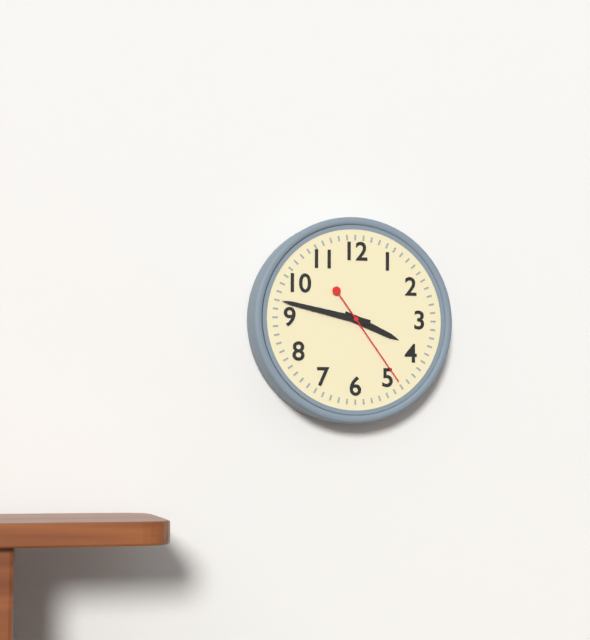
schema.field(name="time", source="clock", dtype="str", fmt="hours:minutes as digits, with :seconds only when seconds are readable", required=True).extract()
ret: 3:47:24
